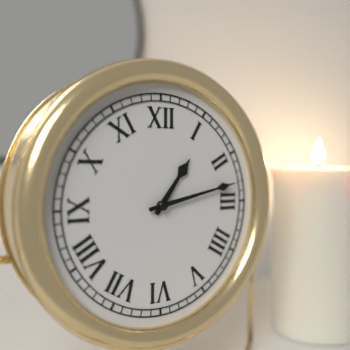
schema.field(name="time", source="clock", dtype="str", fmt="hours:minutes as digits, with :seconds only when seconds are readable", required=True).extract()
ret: 1:13
